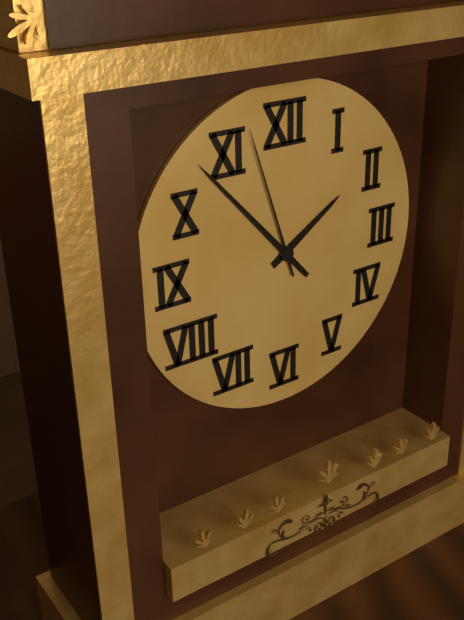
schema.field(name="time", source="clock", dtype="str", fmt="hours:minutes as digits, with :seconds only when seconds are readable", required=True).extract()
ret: 1:53:57
